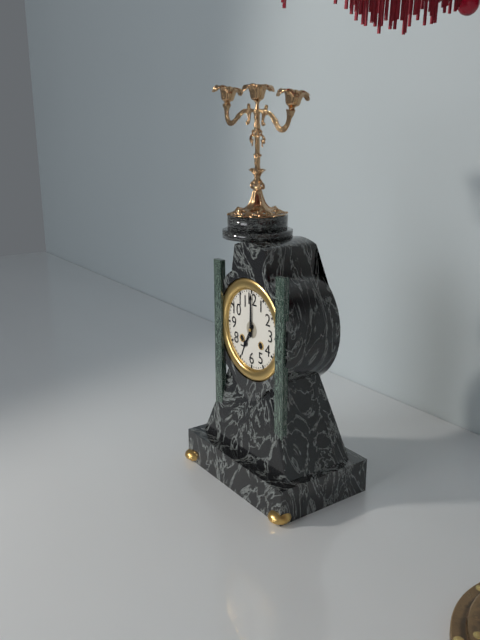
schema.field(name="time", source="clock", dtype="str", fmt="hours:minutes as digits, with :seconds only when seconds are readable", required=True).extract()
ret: 7:00
